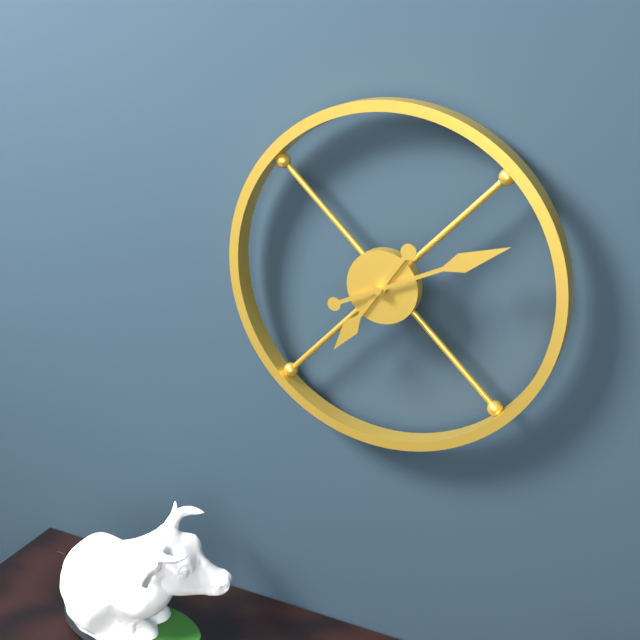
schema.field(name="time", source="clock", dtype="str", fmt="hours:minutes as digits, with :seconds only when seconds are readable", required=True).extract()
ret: 7:11
